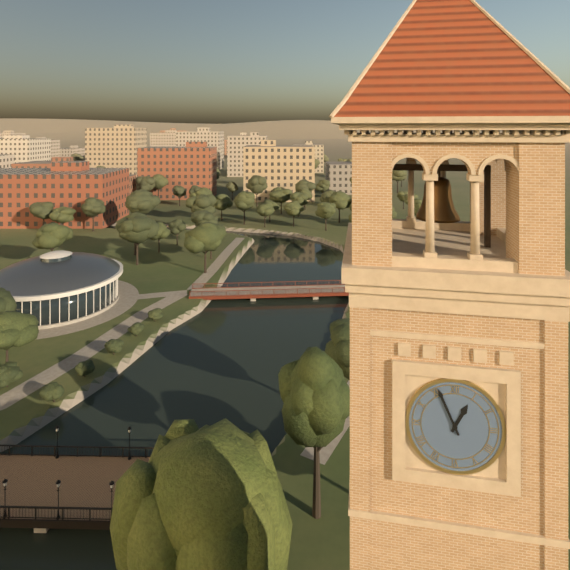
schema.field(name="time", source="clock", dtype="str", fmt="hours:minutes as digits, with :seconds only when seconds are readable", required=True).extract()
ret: 12:56
